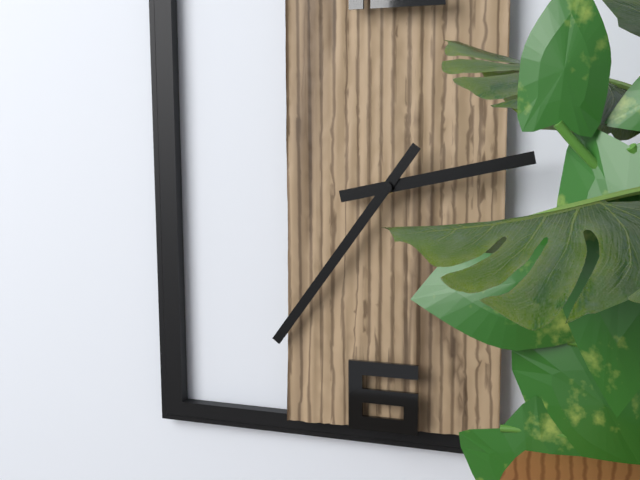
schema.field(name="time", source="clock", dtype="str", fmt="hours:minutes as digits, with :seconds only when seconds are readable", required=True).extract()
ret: 2:36
